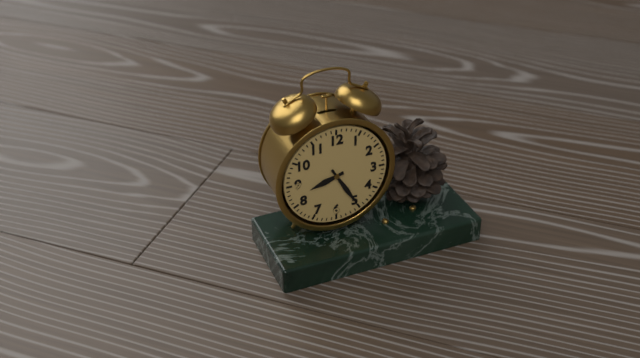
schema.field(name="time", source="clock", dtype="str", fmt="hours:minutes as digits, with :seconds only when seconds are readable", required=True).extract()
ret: 8:25
